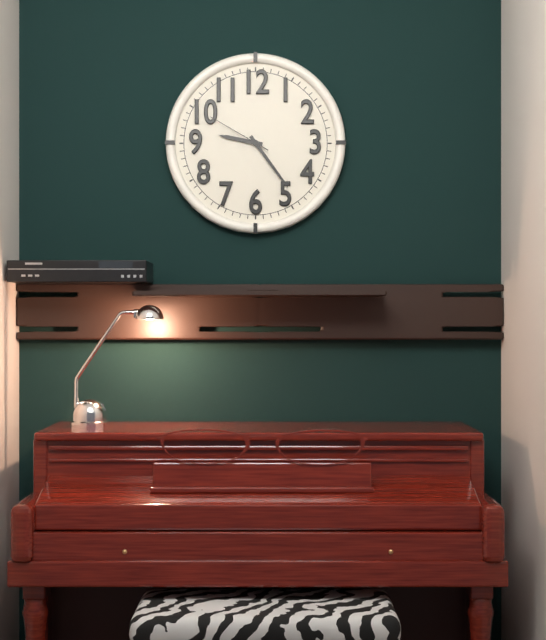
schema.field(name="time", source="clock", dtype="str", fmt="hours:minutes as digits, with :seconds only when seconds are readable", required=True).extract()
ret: 9:24:50
